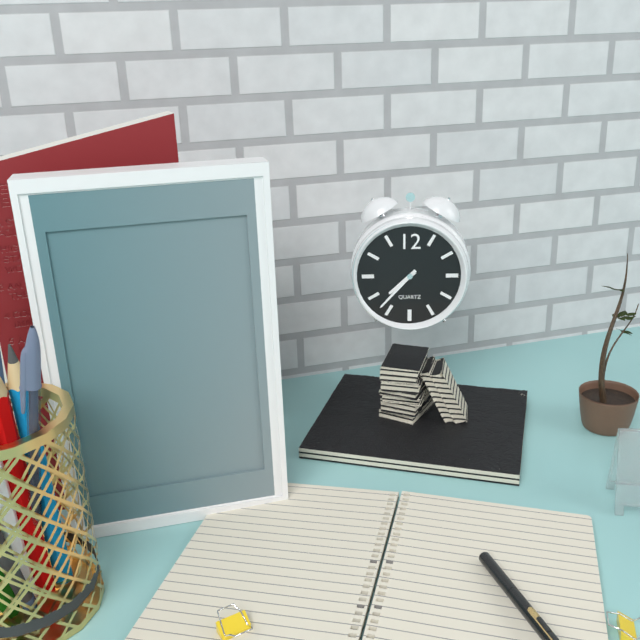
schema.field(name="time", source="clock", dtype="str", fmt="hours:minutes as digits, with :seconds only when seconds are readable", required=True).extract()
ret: 7:37
